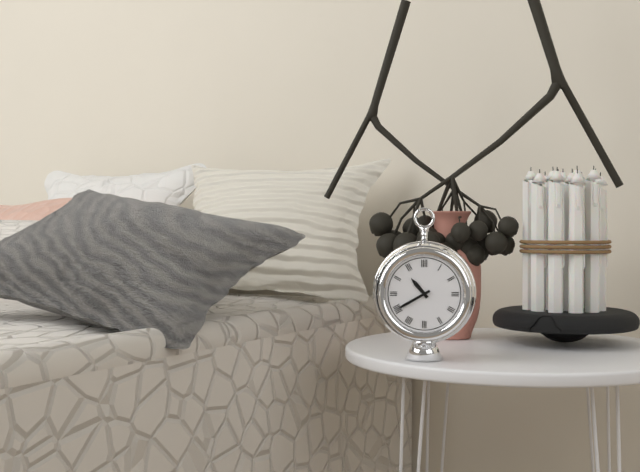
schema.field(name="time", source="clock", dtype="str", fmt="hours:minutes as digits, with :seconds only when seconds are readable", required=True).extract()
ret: 10:40
